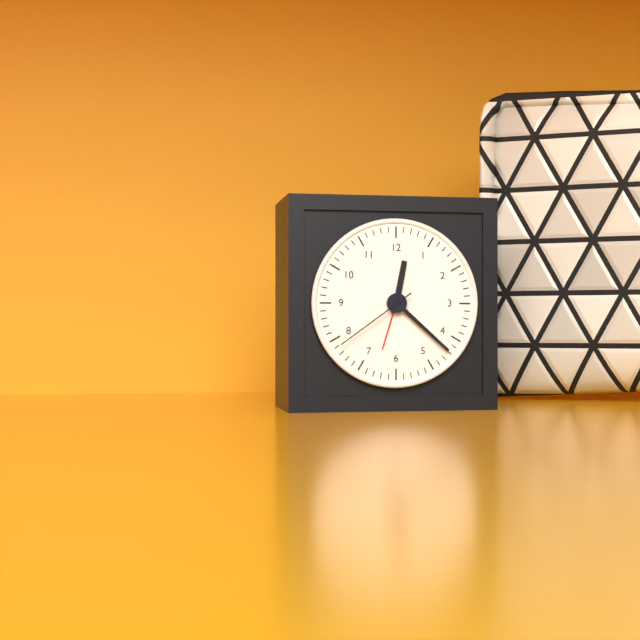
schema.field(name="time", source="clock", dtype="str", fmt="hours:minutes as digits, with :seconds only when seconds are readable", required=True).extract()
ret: 12:22:39
